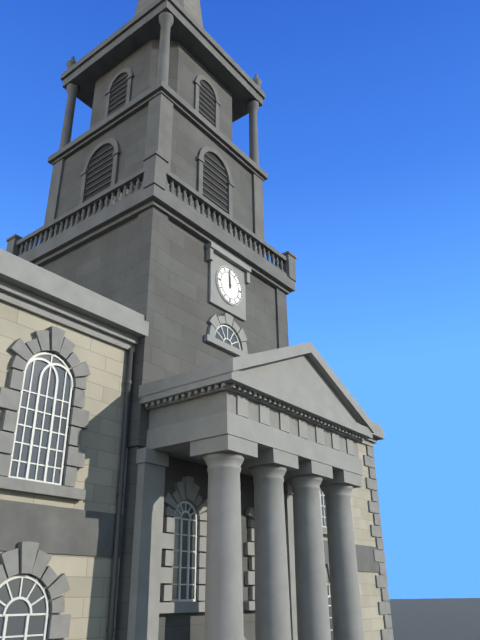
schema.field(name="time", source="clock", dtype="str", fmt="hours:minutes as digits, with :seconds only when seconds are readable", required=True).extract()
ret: 11:59
